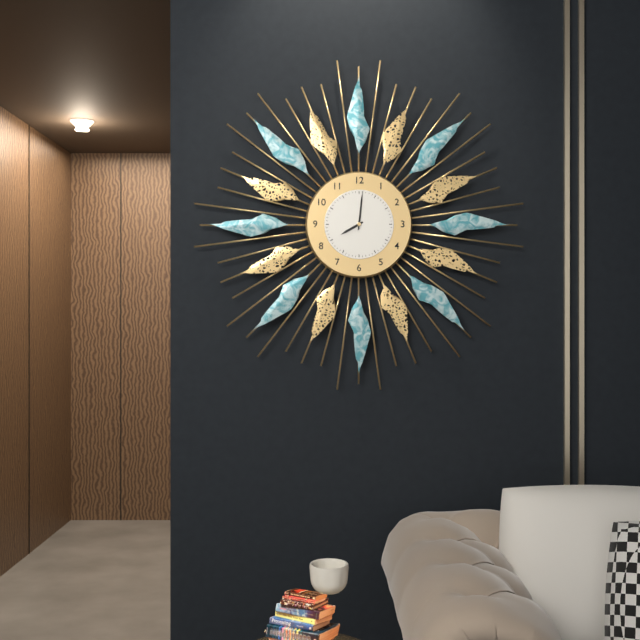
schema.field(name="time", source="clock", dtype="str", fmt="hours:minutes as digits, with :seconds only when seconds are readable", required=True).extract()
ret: 8:01
